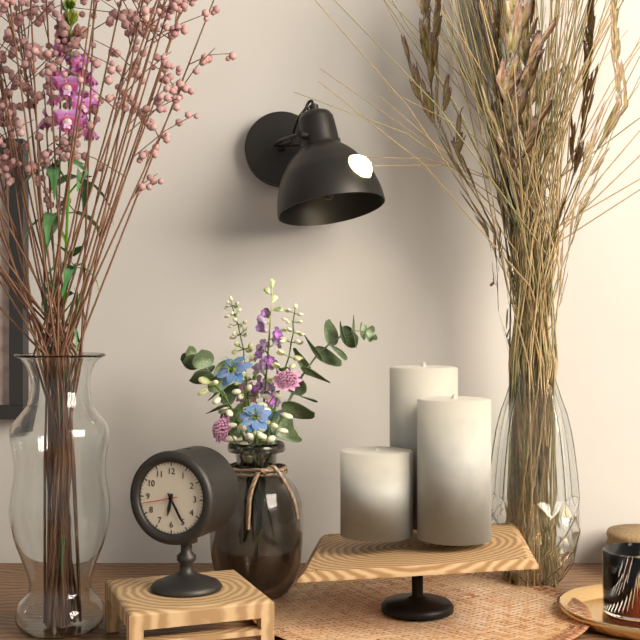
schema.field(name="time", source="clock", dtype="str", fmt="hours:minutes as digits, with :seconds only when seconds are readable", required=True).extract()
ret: 6:25
